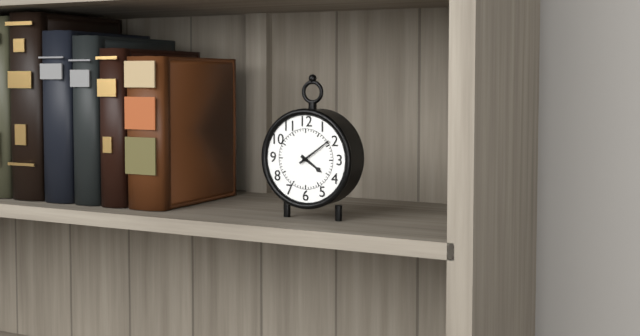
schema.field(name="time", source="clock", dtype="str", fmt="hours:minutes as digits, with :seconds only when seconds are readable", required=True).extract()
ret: 4:09
